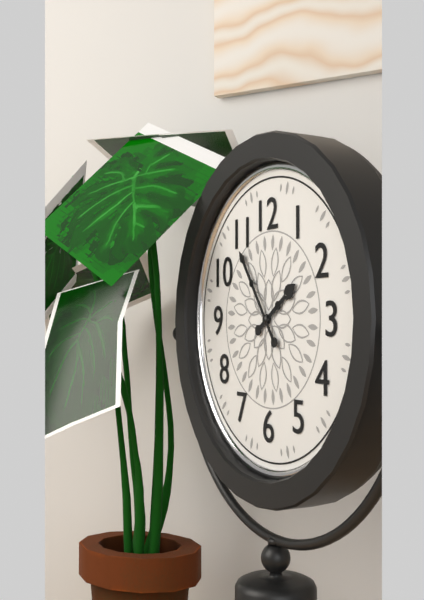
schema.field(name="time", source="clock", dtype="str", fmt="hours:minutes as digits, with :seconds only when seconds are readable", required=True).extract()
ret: 1:54
